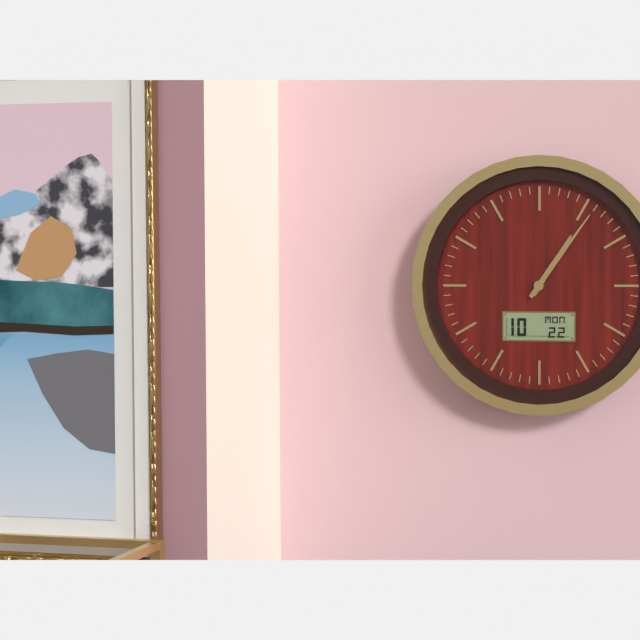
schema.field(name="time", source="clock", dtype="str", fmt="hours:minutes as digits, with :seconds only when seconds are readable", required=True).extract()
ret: 1:06
